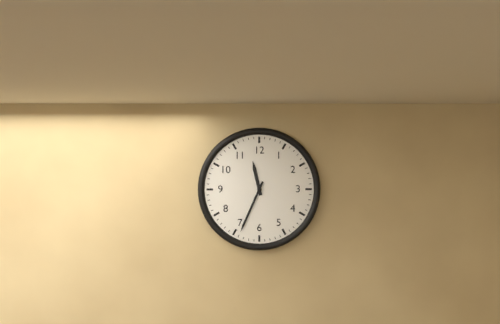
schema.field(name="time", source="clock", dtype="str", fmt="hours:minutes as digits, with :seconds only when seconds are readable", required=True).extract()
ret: 11:34
